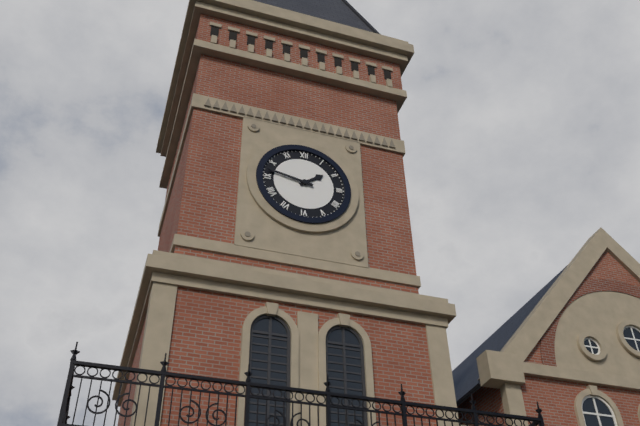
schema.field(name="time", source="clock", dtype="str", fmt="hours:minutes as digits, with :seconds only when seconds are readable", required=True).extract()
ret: 1:47
